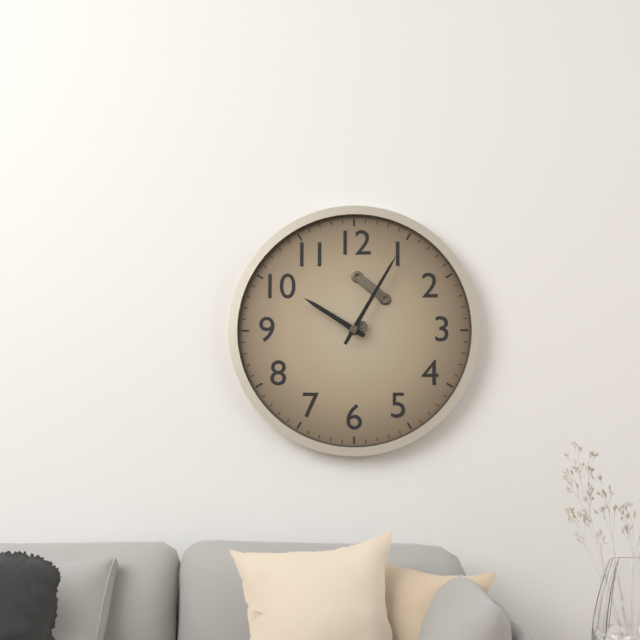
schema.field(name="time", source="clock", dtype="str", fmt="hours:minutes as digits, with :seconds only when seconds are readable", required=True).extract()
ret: 10:05
